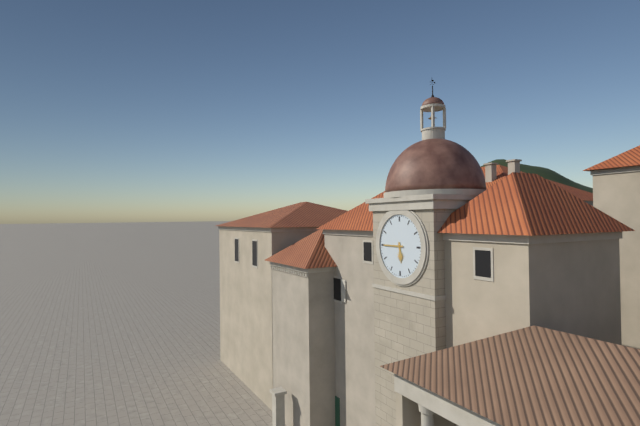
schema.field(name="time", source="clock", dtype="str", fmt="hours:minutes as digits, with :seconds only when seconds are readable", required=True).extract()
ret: 5:45
